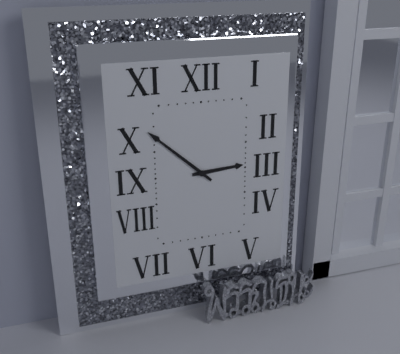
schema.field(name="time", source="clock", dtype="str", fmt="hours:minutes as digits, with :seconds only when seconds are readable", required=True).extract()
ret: 2:52
